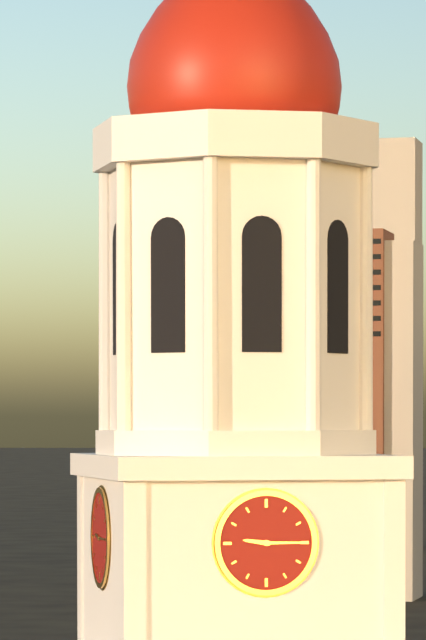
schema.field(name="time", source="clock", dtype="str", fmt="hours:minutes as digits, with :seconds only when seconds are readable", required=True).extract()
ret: 9:15
